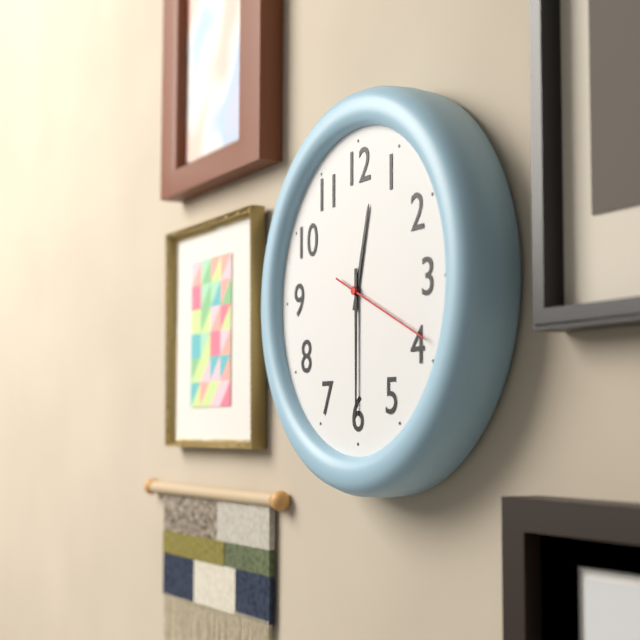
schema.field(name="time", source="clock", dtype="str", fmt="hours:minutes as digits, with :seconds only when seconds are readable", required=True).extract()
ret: 12:30:19
